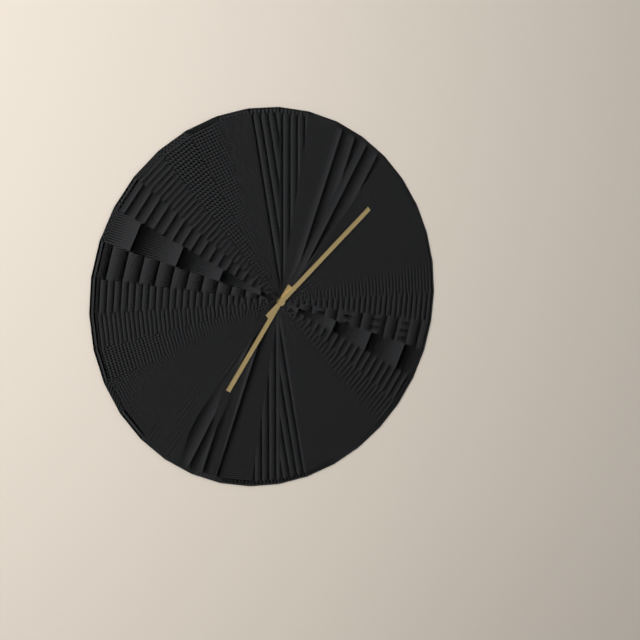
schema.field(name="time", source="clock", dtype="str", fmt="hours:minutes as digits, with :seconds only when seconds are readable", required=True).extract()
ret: 7:08
